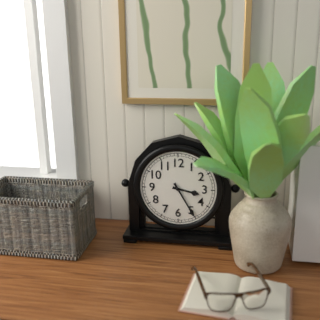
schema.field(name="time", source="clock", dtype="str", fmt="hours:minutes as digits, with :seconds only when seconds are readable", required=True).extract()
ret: 3:25
